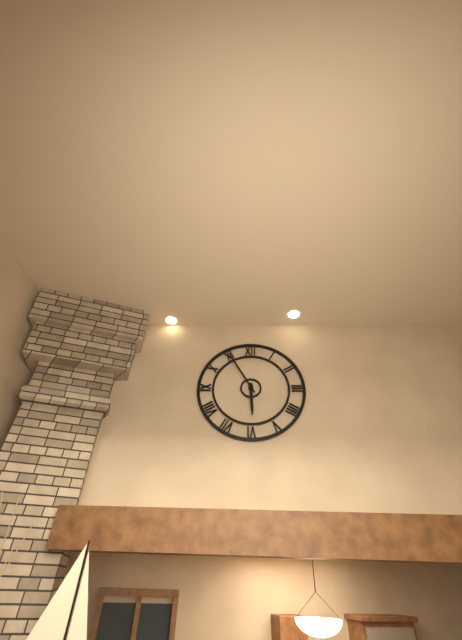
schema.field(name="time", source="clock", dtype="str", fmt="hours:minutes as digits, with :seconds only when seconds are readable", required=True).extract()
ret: 5:55
